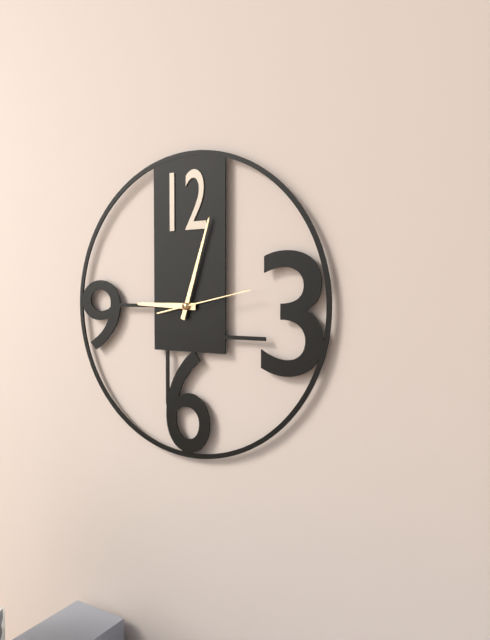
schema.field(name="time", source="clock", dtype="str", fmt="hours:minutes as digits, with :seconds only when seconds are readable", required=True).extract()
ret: 9:03:13
